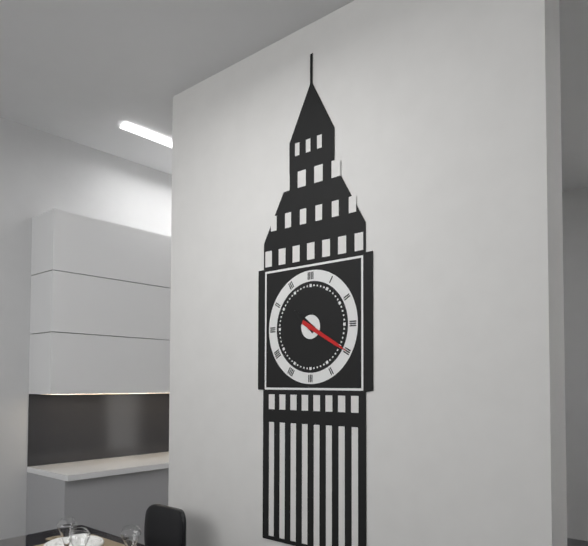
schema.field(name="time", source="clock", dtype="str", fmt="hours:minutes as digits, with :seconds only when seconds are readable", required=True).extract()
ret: 10:20
